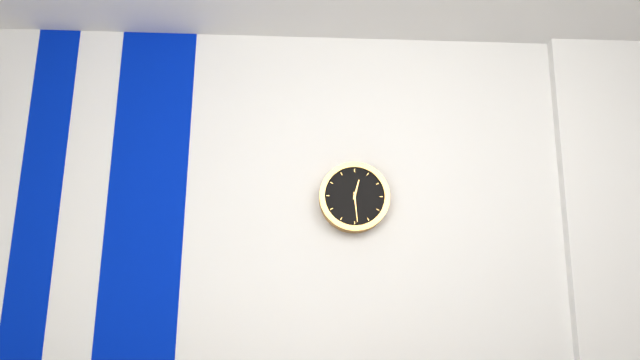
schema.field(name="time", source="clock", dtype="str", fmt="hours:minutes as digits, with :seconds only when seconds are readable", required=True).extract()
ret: 12:29
